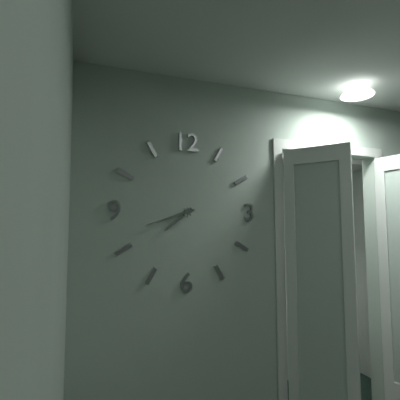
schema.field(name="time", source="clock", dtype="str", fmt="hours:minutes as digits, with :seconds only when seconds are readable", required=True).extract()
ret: 7:42
